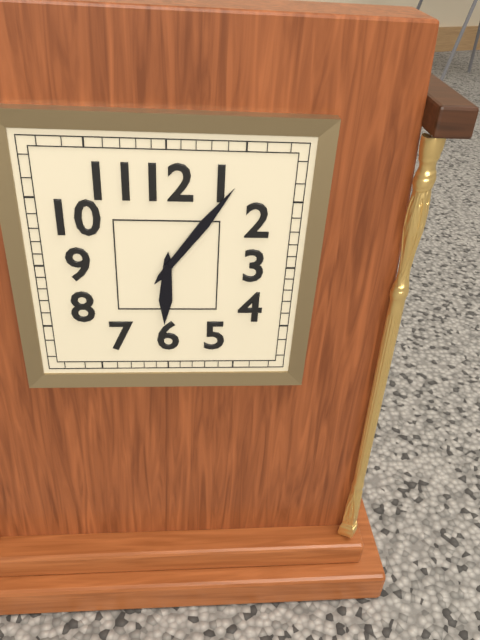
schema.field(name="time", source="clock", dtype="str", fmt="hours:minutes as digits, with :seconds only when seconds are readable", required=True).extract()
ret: 6:06
